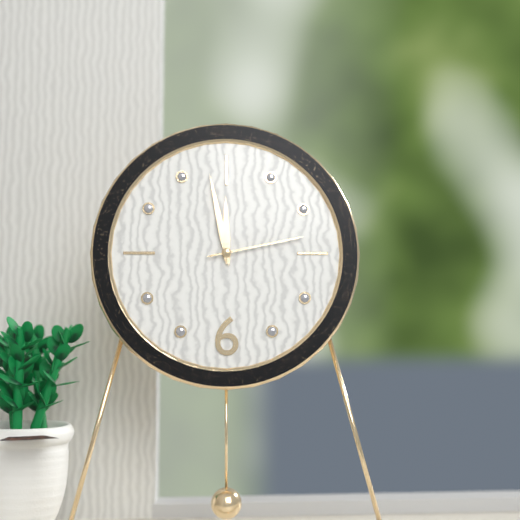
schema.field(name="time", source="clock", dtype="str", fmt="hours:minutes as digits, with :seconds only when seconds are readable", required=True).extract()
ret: 11:58:13
